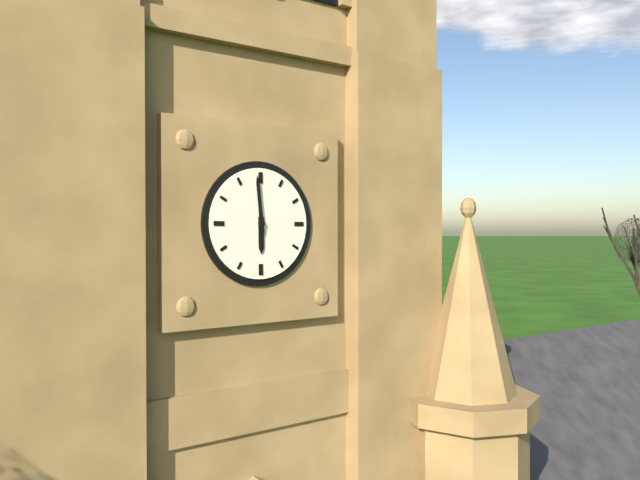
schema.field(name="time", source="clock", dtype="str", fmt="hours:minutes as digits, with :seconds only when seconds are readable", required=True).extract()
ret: 5:59
